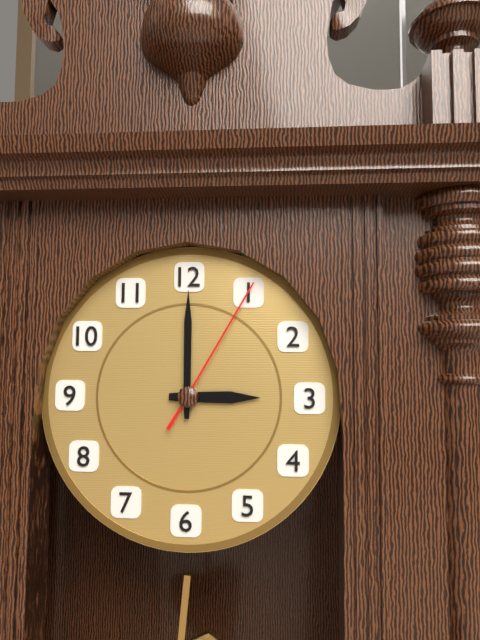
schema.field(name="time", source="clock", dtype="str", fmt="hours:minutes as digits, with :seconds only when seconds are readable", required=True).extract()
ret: 3:00:05
